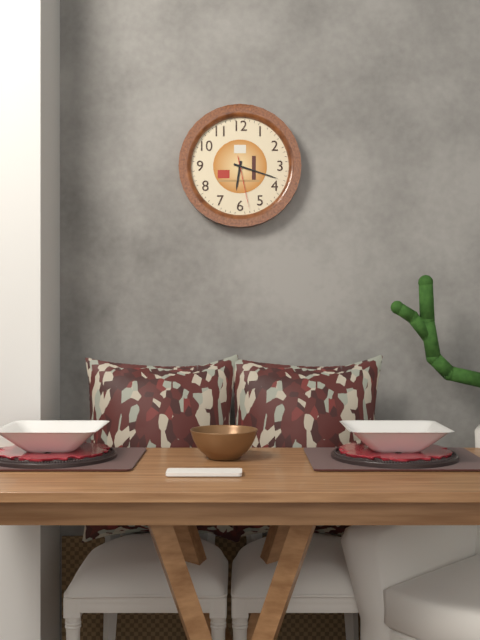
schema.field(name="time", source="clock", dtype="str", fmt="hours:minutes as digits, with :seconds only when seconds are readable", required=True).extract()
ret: 6:18:28
